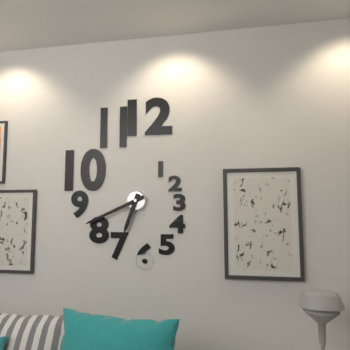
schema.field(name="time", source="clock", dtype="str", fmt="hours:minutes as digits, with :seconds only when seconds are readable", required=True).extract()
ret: 6:41
